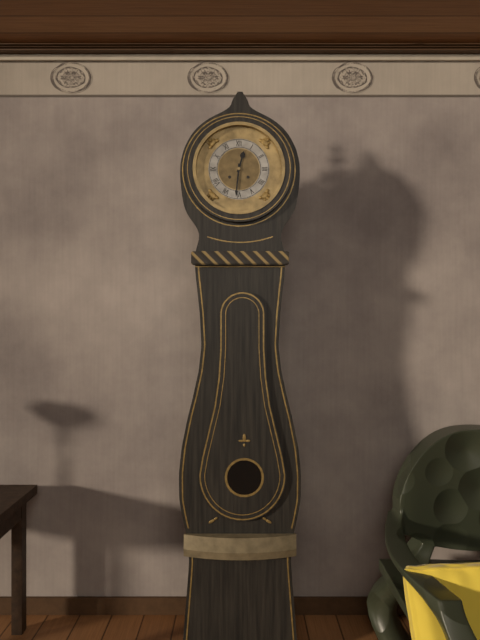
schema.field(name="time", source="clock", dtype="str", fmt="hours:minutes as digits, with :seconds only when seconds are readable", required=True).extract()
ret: 12:31
